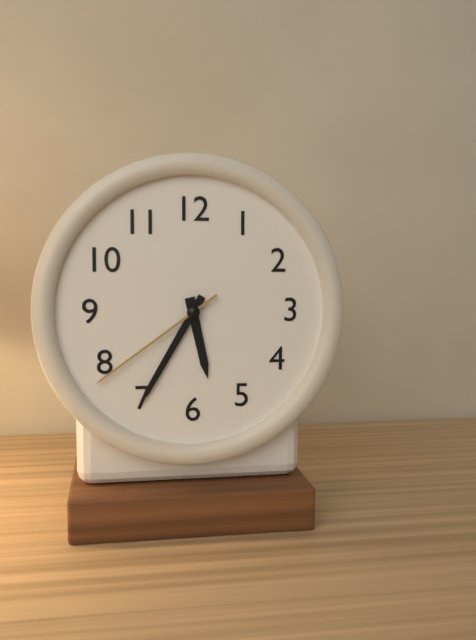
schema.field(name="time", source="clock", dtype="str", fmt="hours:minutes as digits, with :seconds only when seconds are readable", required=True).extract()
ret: 5:35:39
